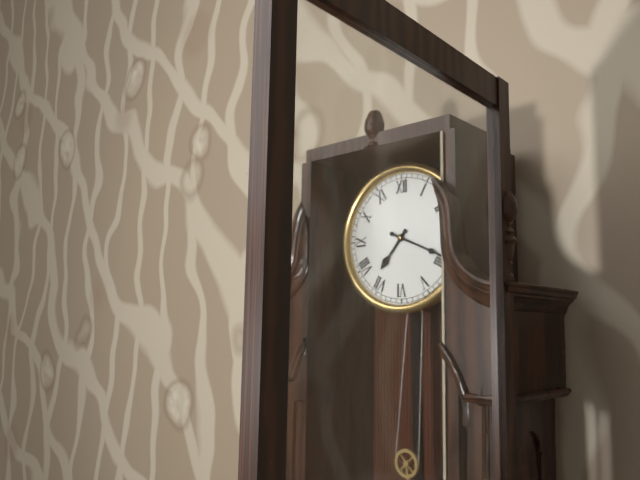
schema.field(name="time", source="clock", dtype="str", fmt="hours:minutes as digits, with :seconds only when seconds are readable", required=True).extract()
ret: 7:19
